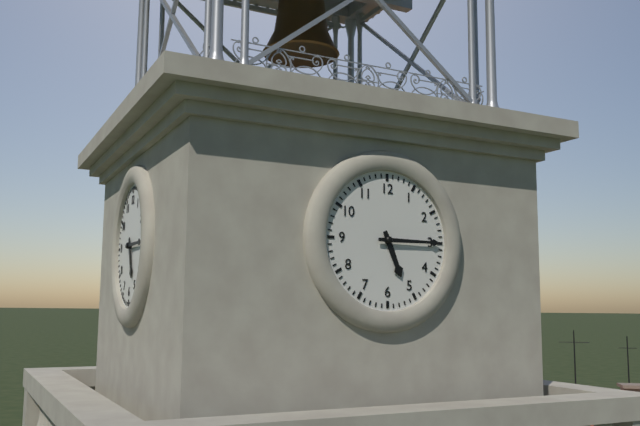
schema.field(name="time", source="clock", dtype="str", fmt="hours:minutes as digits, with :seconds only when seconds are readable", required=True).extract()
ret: 5:15
